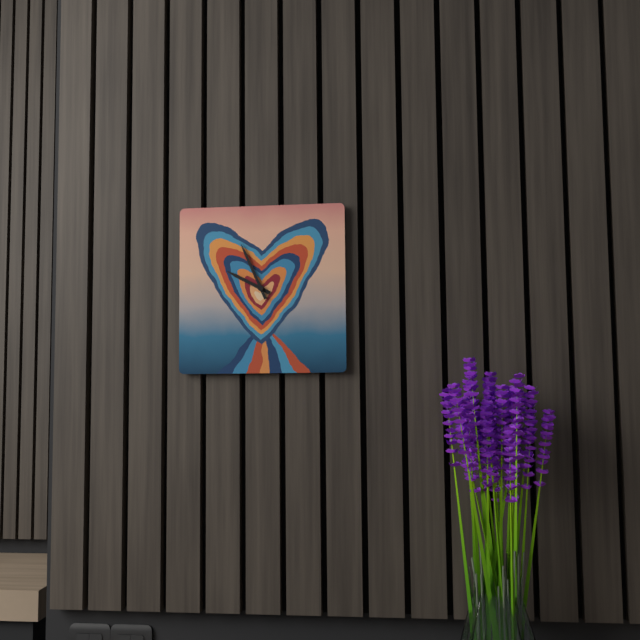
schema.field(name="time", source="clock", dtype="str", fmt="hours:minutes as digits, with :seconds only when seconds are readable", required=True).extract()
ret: 9:56
